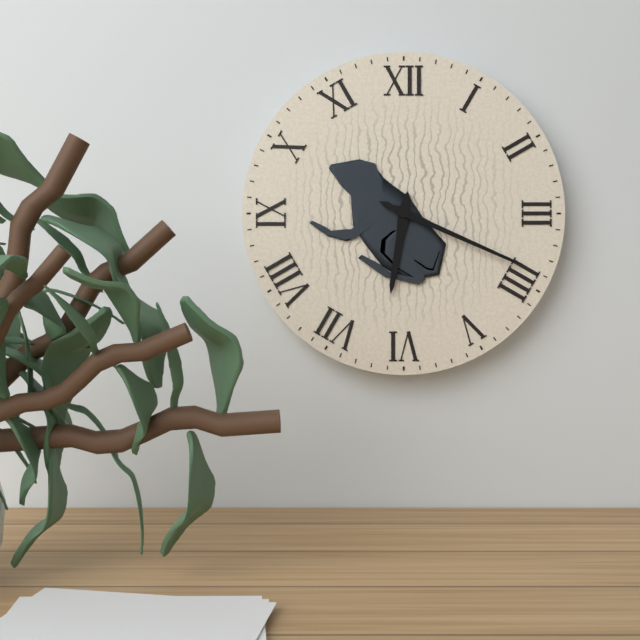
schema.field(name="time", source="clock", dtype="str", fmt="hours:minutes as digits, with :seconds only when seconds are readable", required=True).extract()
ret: 6:19
